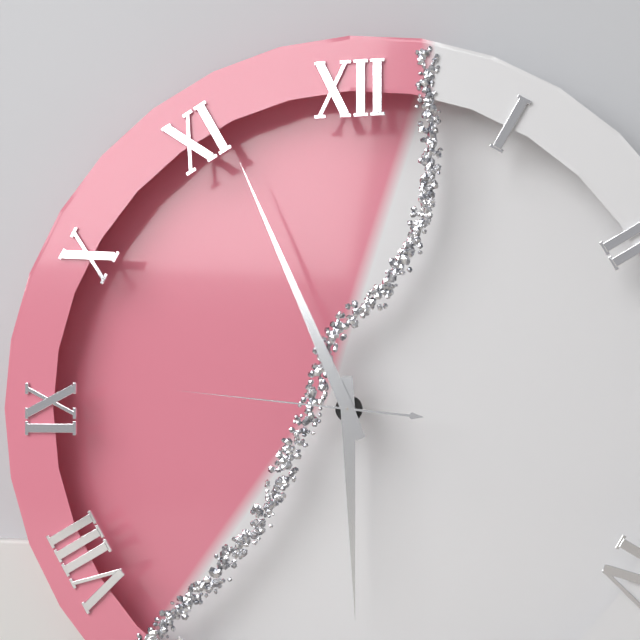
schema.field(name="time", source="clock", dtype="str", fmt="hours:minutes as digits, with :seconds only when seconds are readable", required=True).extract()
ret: 5:56:46
